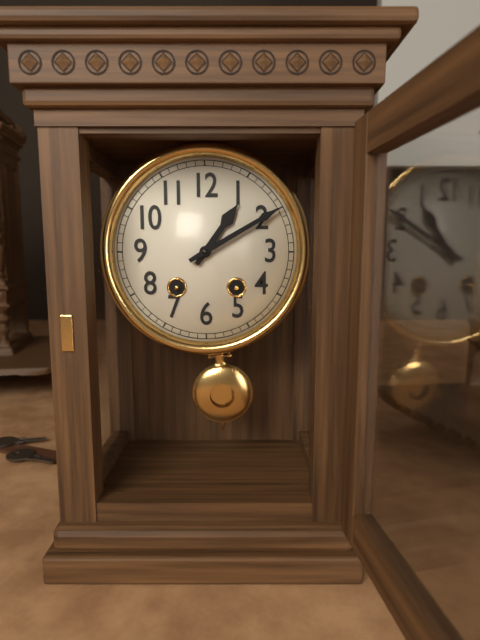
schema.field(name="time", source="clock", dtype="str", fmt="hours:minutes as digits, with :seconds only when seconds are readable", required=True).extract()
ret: 1:10
